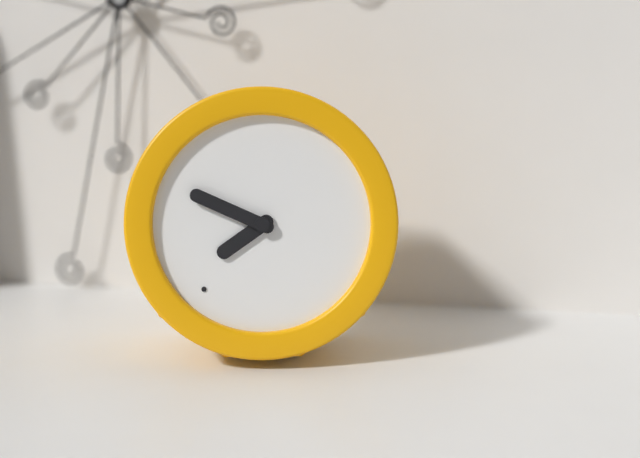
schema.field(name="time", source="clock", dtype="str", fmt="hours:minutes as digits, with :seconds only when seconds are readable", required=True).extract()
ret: 7:49
